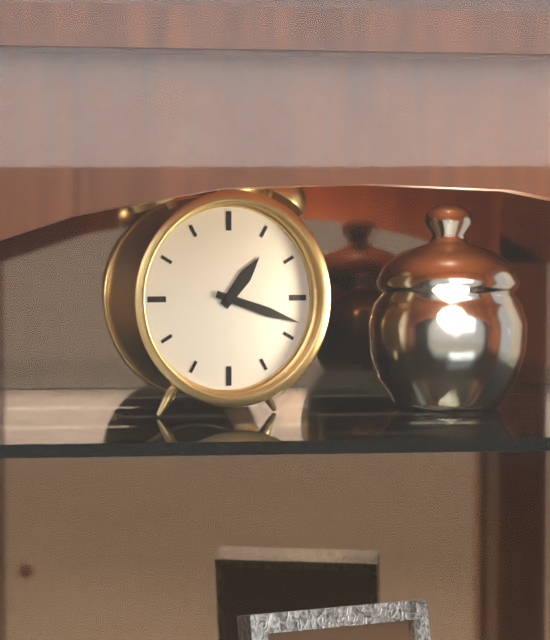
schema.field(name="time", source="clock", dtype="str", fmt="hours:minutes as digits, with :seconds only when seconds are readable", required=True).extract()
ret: 1:18
